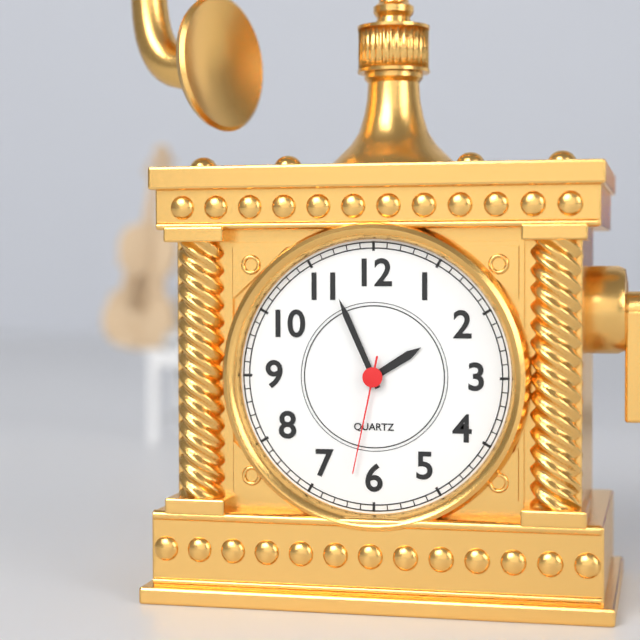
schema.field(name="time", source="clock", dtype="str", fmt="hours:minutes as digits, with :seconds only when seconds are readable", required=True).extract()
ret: 1:56:32
